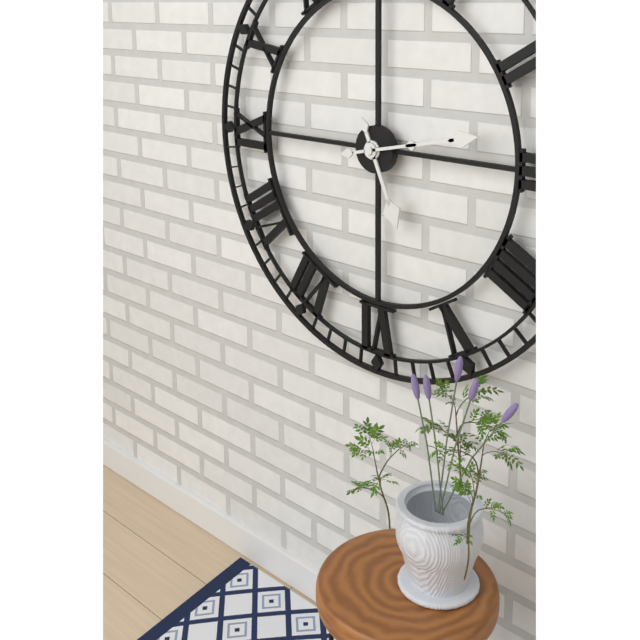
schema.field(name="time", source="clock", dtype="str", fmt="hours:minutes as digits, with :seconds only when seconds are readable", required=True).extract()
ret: 5:13
